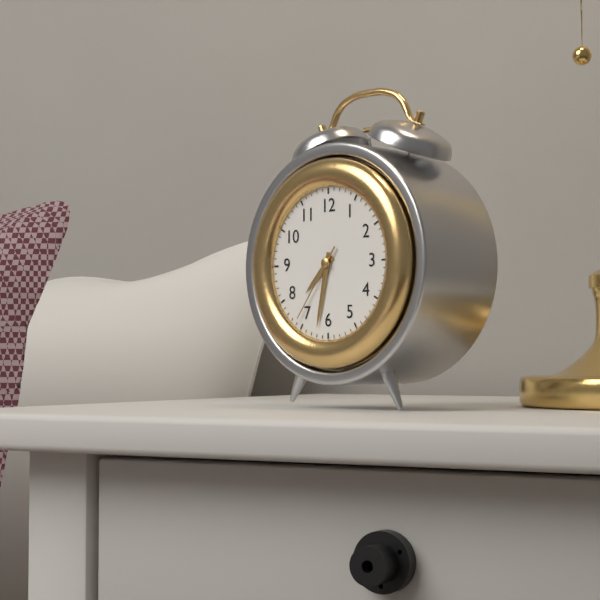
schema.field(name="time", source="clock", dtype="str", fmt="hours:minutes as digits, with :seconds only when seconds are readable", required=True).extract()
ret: 7:32:36
